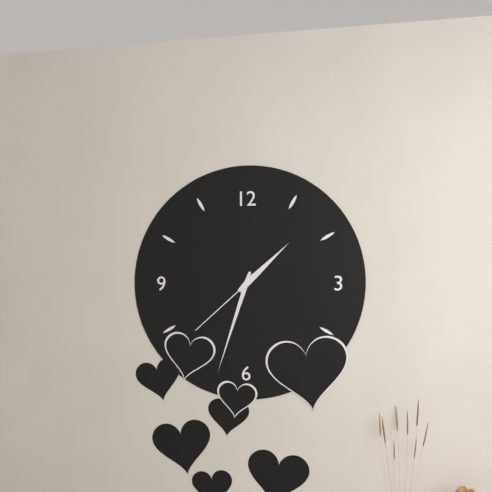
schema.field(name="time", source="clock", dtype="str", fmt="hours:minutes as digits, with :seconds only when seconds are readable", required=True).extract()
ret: 1:33:38
